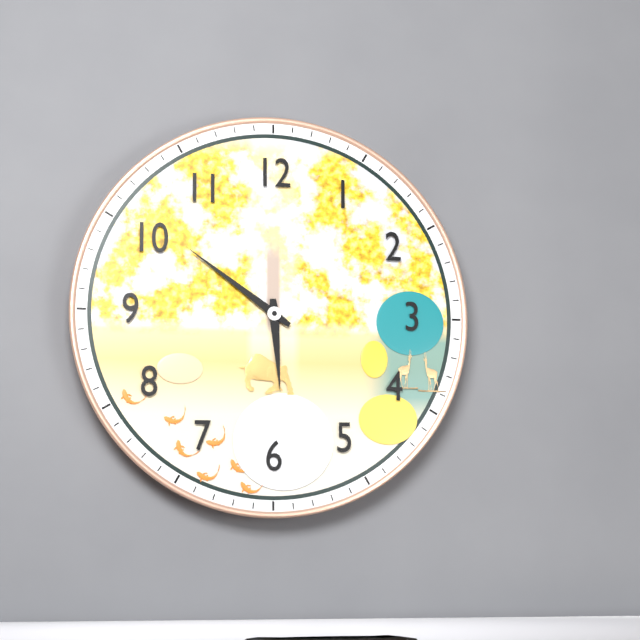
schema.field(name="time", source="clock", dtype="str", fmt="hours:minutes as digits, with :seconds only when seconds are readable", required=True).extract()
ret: 5:51
